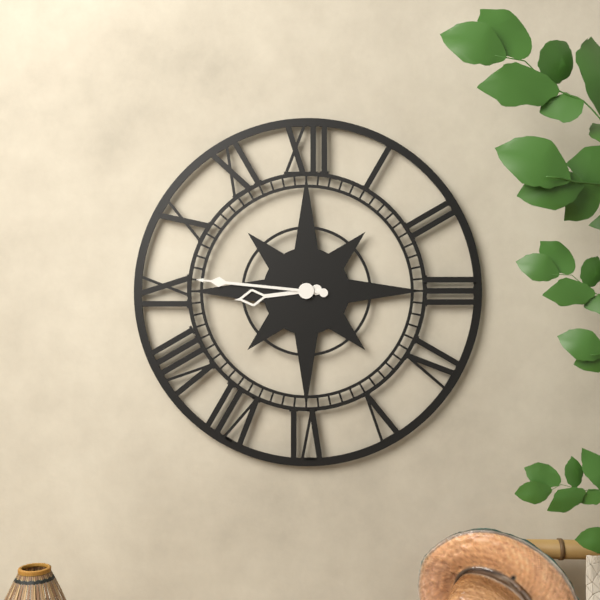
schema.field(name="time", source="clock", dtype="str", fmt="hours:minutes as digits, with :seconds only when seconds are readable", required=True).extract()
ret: 8:46
